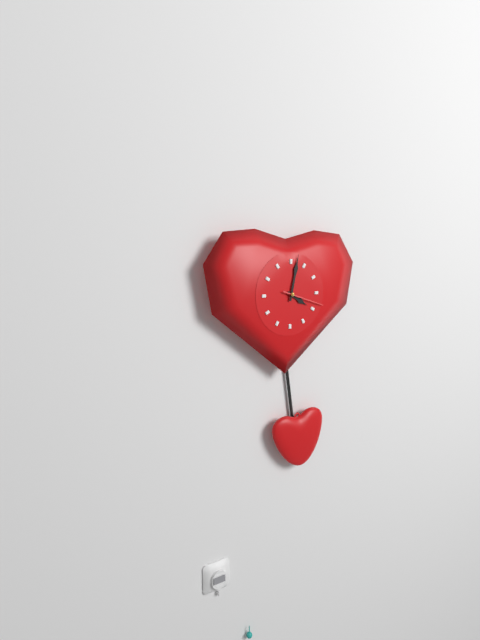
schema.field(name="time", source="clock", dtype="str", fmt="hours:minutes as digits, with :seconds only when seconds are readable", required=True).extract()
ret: 4:02
